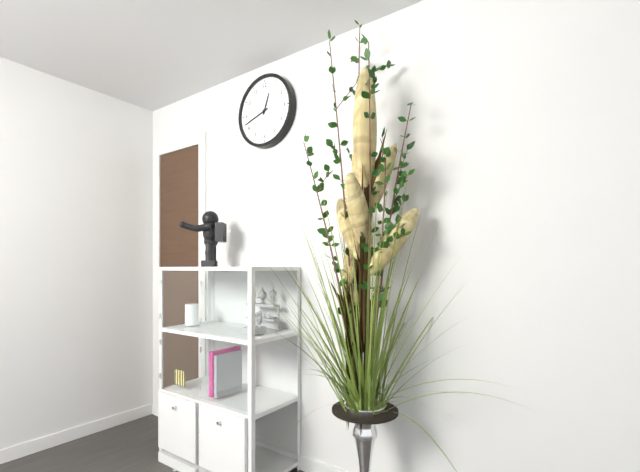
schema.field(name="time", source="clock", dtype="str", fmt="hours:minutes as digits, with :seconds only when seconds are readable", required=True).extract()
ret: 12:42
